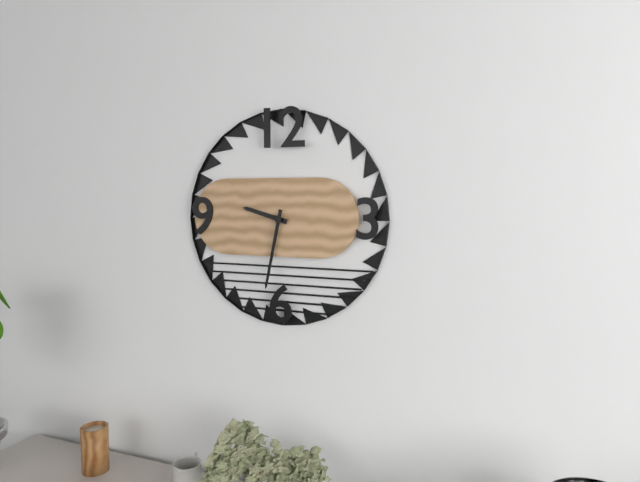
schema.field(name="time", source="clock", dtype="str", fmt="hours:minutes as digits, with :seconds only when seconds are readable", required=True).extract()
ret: 9:32
